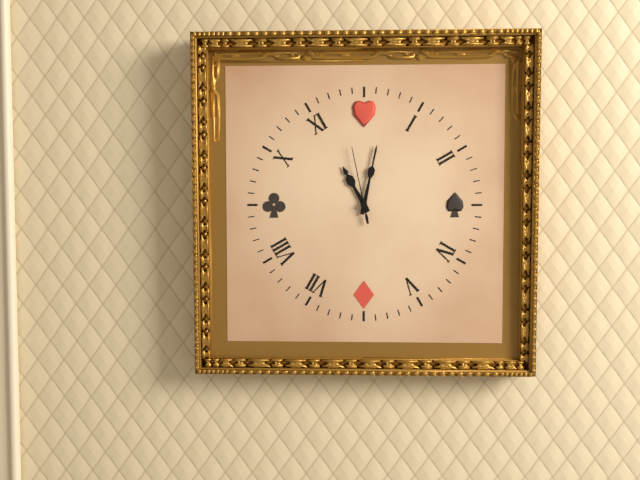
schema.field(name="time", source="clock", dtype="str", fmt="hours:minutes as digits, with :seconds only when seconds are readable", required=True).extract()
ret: 11:02:58
